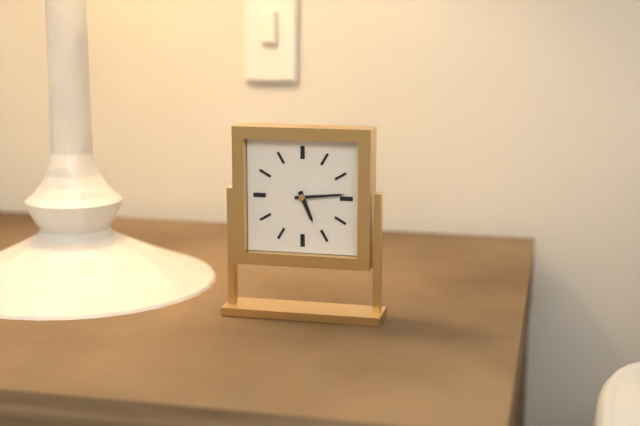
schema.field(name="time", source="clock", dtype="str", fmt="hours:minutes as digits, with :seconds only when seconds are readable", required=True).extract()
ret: 5:14
